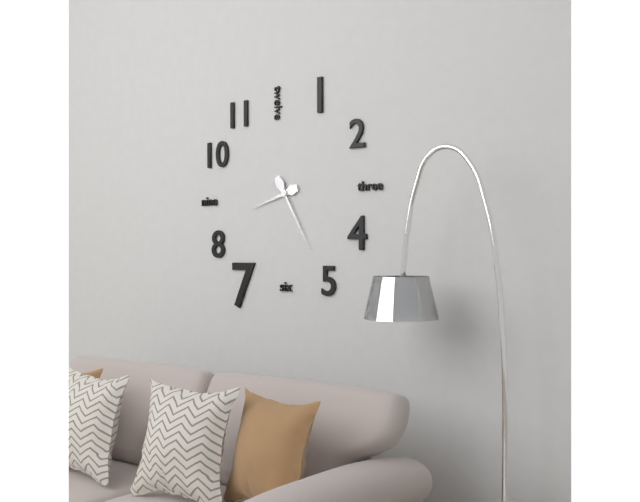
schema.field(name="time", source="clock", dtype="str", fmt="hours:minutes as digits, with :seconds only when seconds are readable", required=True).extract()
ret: 8:25
